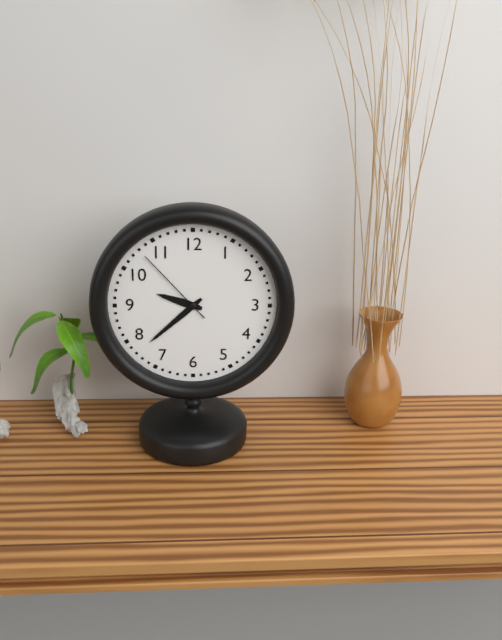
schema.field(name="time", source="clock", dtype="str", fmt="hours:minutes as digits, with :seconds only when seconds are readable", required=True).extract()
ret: 9:38:53
